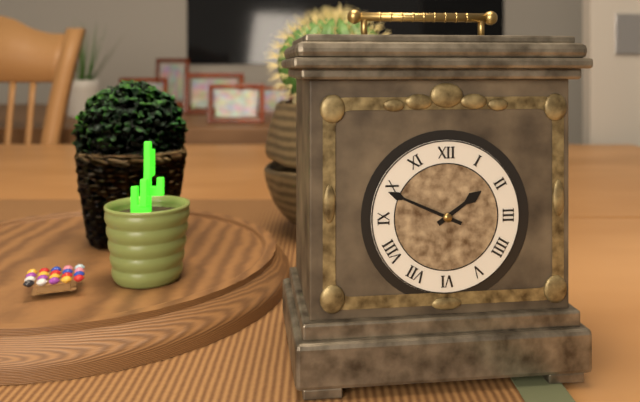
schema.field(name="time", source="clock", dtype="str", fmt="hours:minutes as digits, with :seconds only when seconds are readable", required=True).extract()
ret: 1:49
